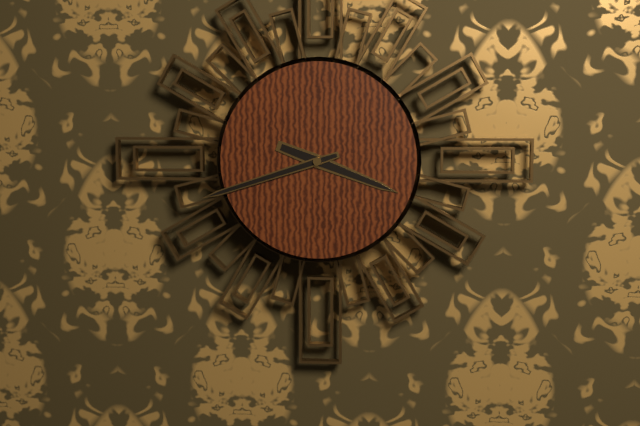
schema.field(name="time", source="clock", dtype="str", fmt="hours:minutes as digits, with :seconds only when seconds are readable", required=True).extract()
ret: 3:42
